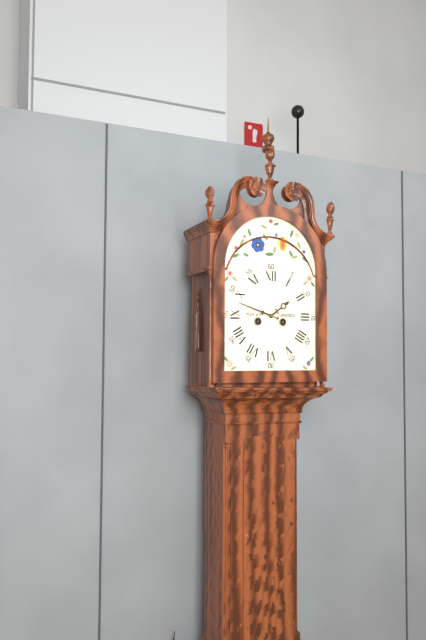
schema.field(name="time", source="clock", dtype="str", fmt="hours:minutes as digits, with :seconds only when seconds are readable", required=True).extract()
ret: 1:48
